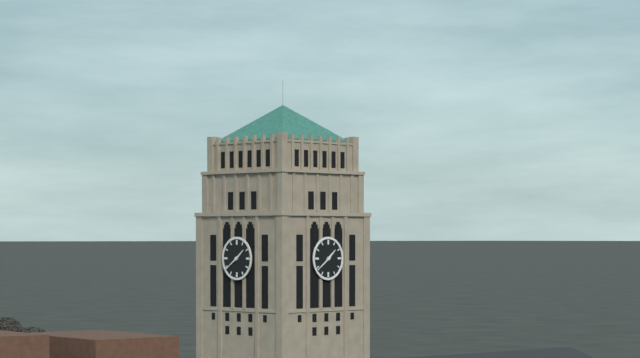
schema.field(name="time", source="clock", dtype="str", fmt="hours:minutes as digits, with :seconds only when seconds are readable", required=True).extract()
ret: 1:39
